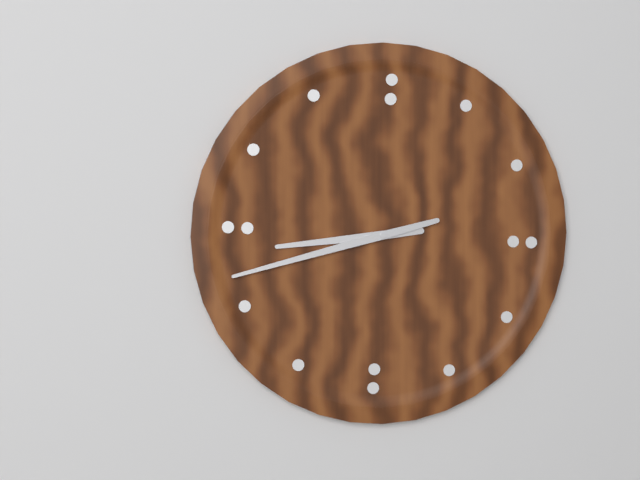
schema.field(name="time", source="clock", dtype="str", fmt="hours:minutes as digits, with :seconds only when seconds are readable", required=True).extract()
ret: 8:42
